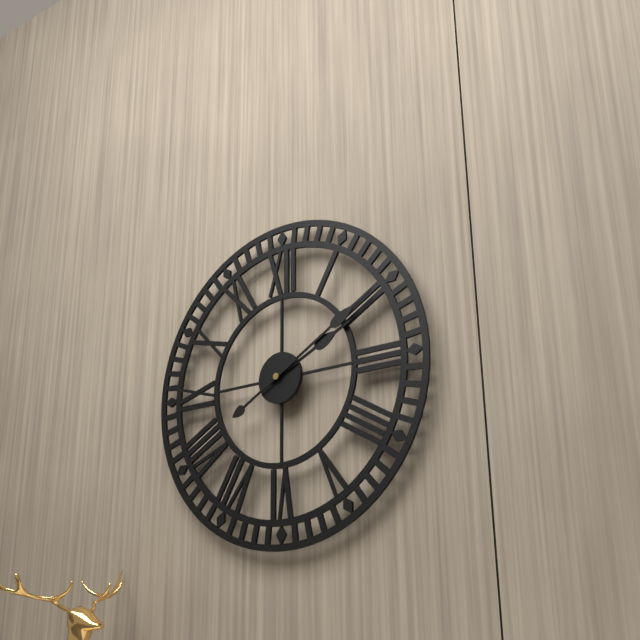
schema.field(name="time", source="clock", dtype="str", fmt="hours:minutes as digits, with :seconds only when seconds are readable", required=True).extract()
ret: 2:10
